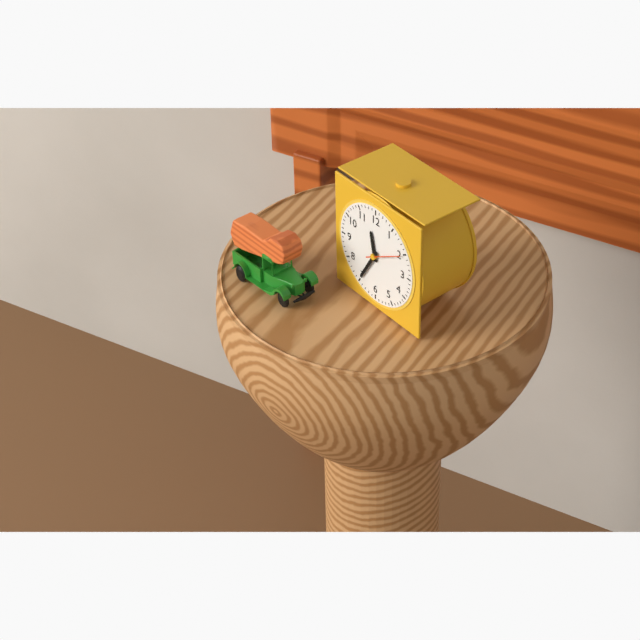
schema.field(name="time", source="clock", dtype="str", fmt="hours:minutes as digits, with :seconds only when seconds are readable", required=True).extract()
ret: 11:35
